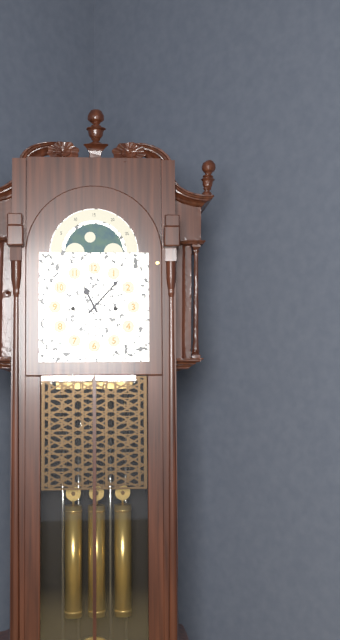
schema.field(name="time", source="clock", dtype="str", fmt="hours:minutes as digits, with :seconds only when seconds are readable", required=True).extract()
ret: 11:07
